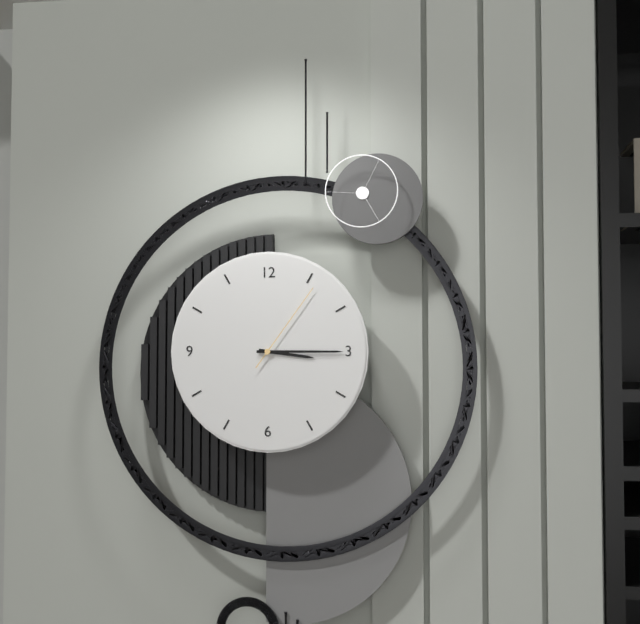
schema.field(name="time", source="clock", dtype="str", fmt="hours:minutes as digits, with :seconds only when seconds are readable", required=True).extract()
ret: 3:15:06
